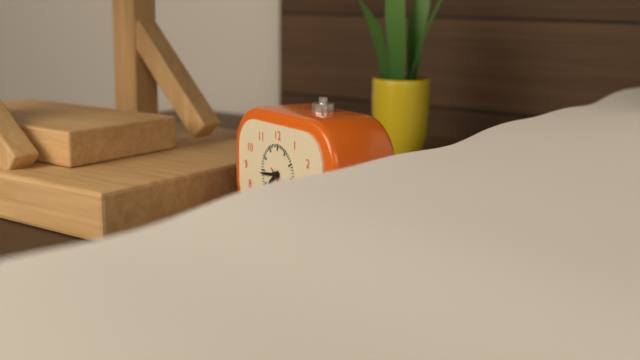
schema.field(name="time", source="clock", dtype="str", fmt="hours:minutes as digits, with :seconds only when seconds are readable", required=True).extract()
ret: 7:44
